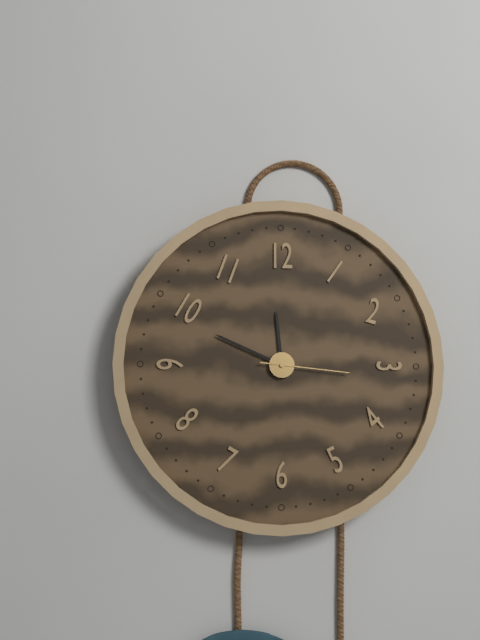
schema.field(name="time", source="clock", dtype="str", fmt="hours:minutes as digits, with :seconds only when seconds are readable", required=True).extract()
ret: 11:49:16
